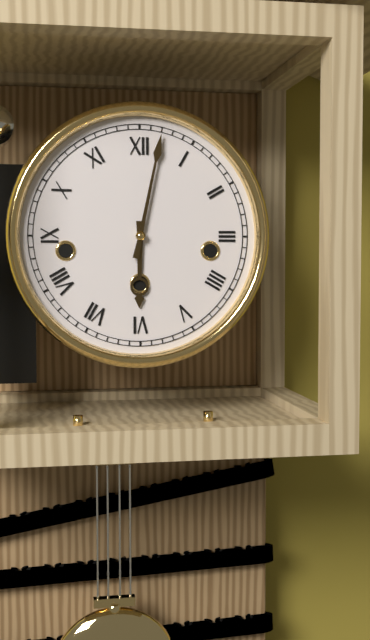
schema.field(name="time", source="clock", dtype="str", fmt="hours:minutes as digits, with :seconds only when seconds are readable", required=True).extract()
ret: 6:02
